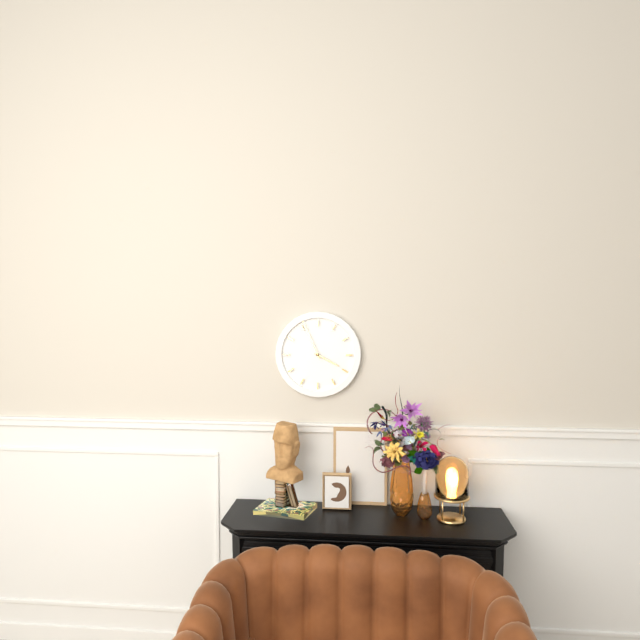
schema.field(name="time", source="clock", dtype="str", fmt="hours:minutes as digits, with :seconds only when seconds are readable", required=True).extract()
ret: 3:56
